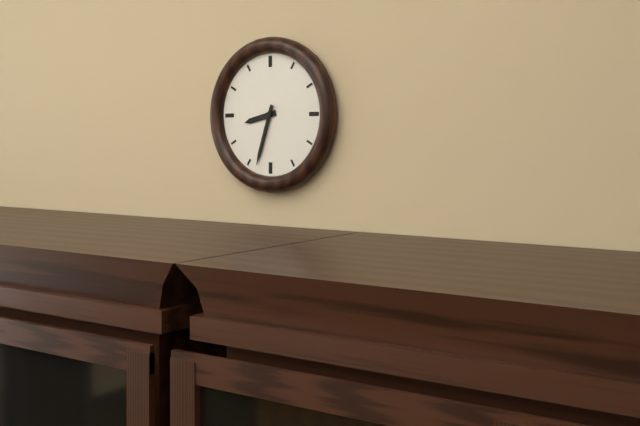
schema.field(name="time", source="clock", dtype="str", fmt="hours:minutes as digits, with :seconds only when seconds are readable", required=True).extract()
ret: 8:33
